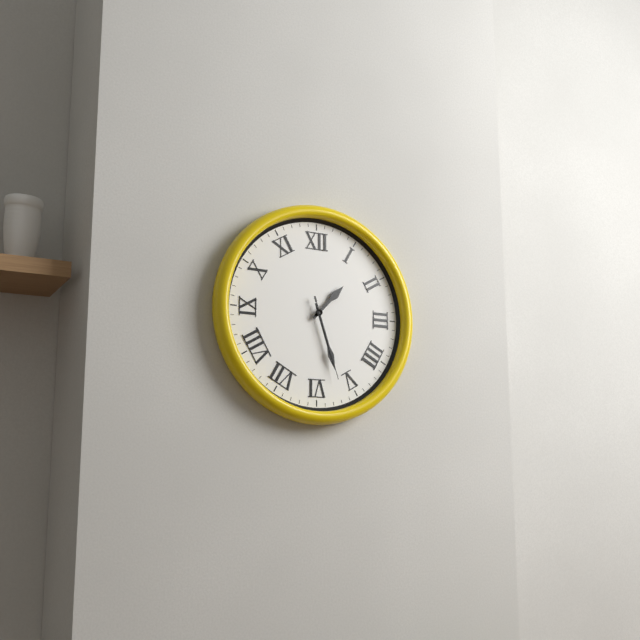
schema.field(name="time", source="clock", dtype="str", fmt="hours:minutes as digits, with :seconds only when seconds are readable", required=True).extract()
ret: 1:27:27
